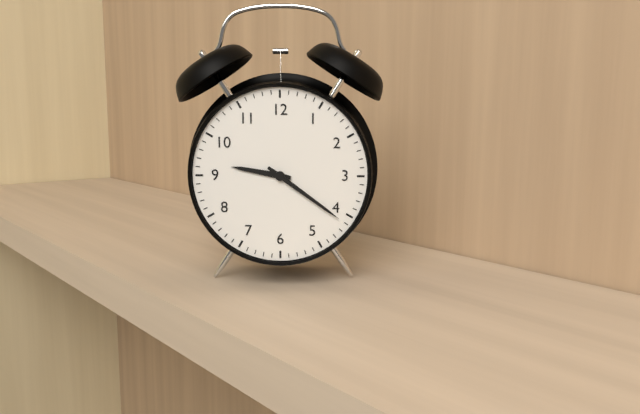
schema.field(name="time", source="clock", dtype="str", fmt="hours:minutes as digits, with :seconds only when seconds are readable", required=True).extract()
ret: 9:21
